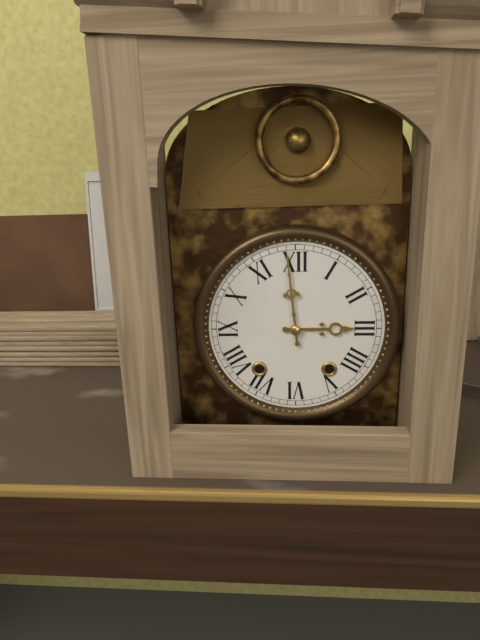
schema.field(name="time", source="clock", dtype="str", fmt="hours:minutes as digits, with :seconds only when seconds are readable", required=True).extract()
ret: 2:59
